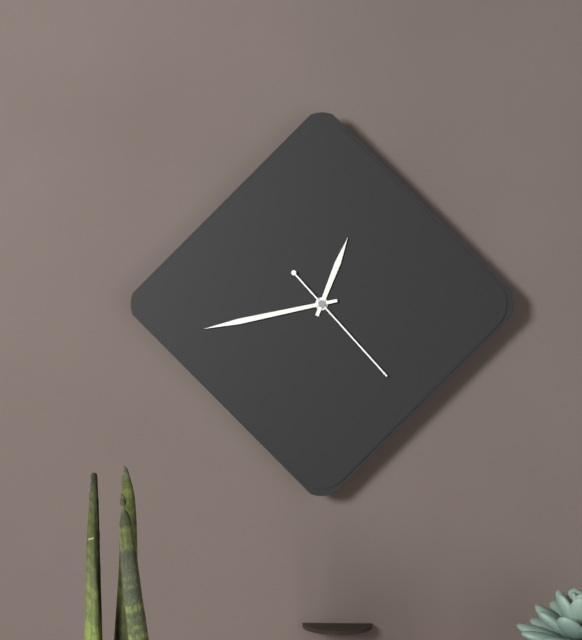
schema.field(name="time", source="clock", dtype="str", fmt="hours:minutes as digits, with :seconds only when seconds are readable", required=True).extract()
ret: 12:43:23
